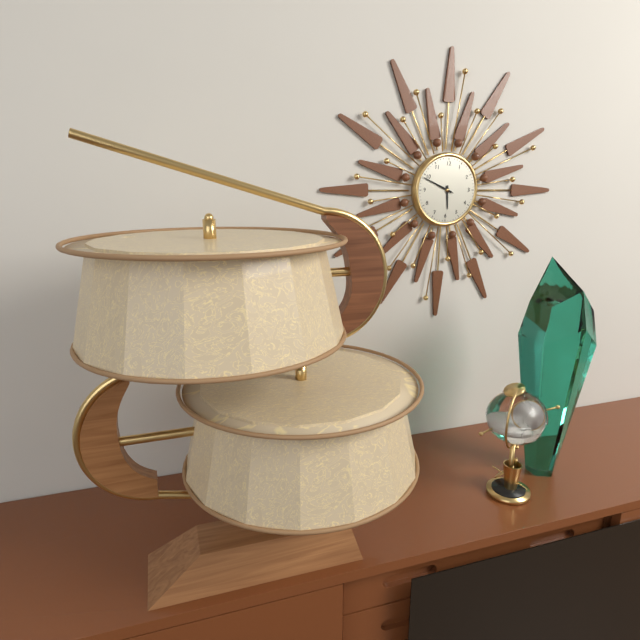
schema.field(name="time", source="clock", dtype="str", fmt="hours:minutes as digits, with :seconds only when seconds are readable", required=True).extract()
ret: 5:49
